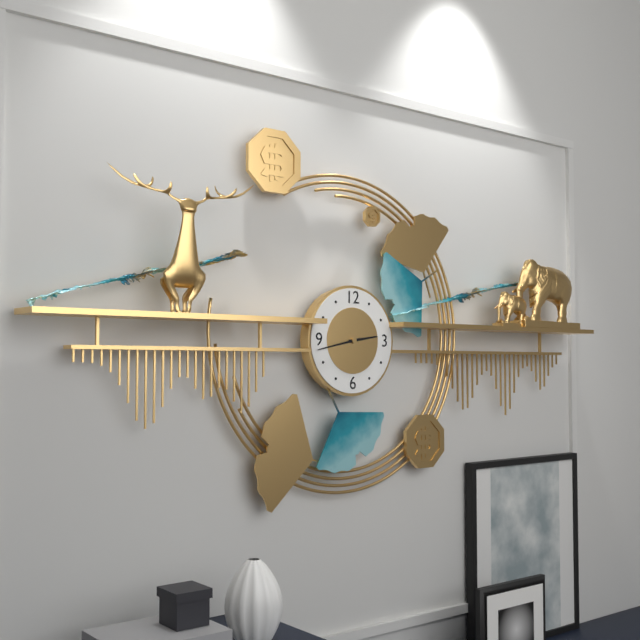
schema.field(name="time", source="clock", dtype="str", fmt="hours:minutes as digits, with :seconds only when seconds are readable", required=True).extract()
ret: 2:43
